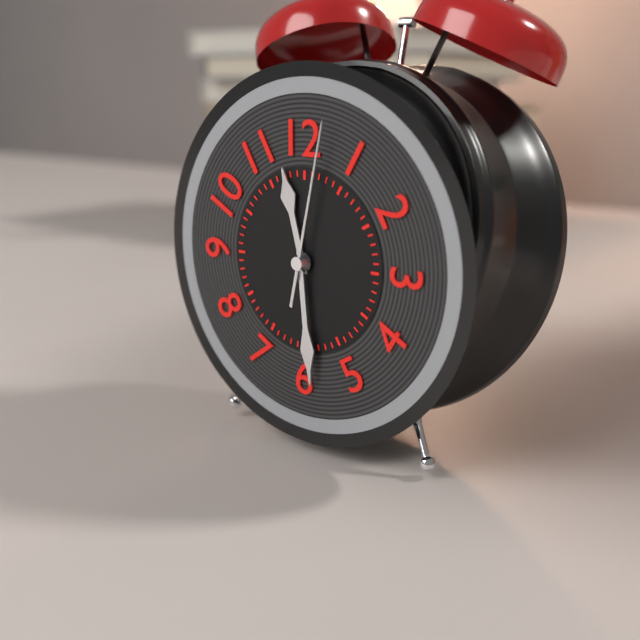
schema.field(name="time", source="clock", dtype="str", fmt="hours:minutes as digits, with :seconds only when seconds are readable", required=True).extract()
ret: 11:29:02
